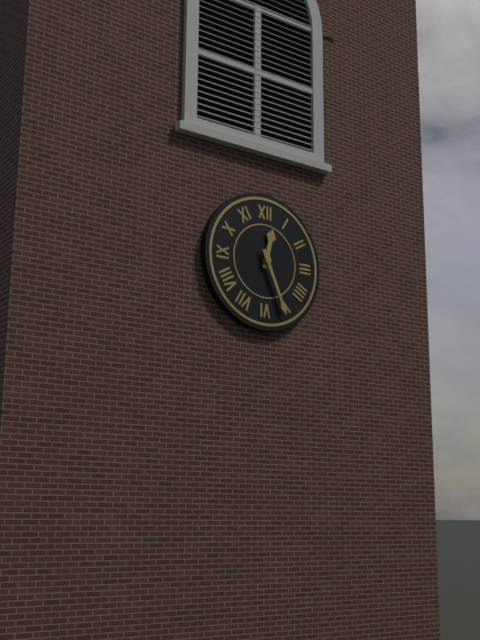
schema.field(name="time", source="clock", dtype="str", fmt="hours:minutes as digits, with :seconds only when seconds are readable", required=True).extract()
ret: 12:26
